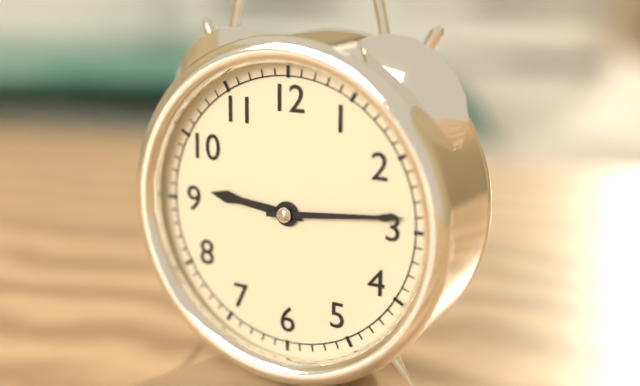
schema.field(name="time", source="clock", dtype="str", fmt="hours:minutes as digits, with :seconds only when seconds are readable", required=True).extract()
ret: 9:14
